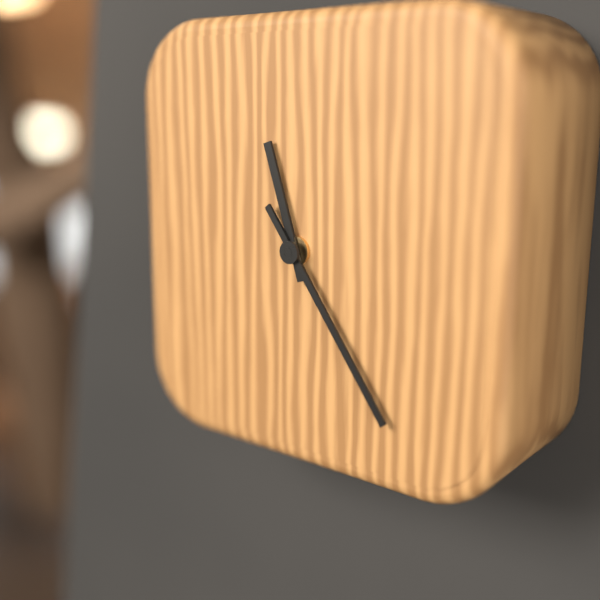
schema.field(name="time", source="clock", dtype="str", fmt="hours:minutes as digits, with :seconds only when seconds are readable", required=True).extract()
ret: 11:24
